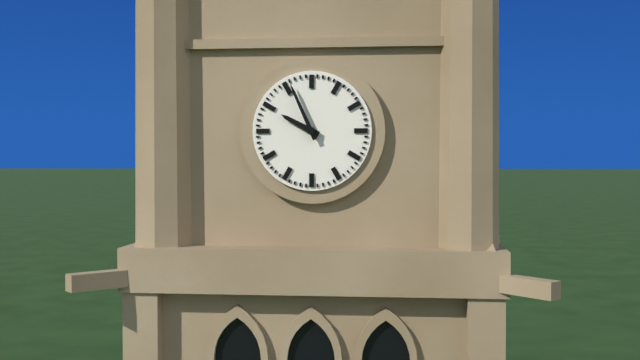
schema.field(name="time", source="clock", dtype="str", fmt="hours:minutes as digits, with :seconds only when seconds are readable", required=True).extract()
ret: 9:56
